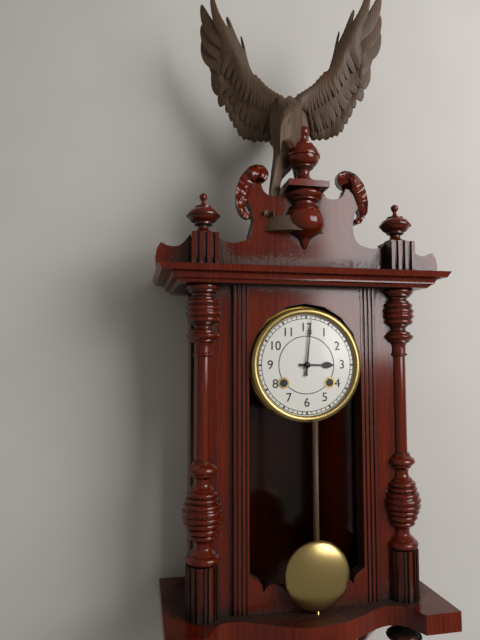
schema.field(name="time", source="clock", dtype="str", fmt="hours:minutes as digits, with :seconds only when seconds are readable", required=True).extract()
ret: 3:01
